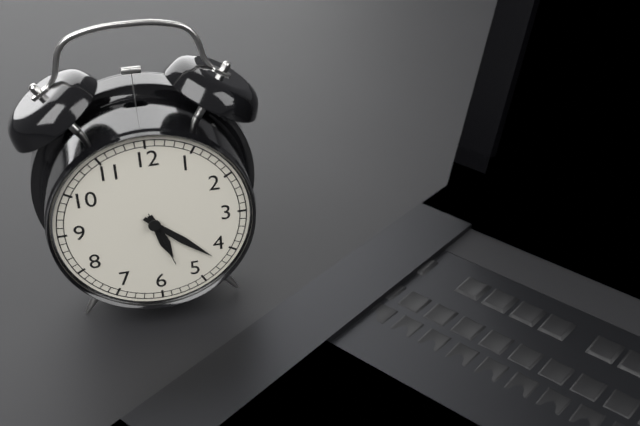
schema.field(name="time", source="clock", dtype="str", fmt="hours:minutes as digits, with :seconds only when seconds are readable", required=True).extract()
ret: 5:22:27
